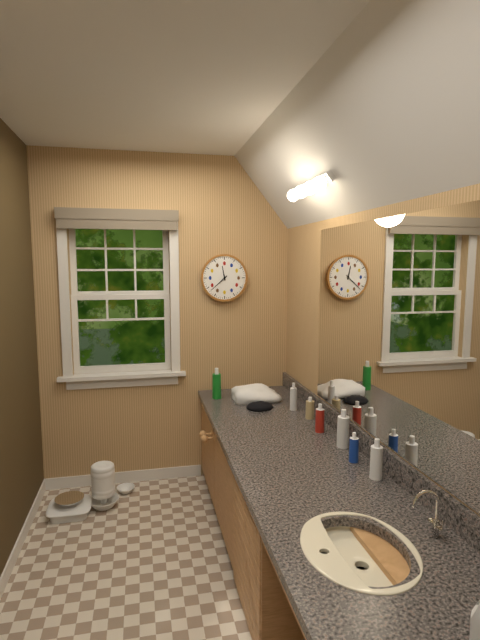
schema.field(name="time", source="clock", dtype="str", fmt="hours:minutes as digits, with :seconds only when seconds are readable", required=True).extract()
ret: 11:38
